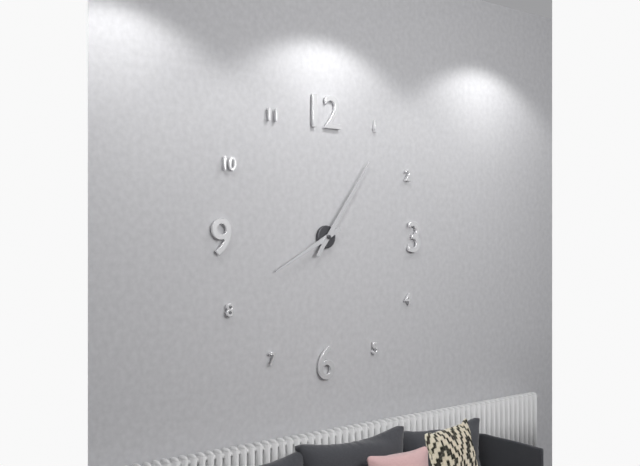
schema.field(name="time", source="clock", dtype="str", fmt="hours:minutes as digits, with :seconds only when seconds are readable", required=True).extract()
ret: 8:06
